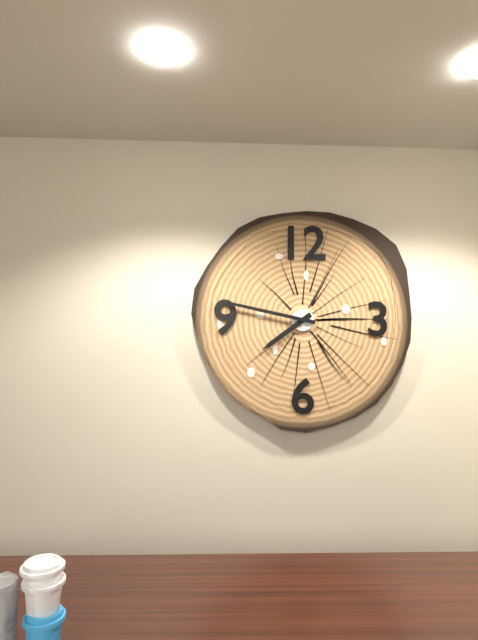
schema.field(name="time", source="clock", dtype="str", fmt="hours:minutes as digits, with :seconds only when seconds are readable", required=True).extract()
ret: 7:47
